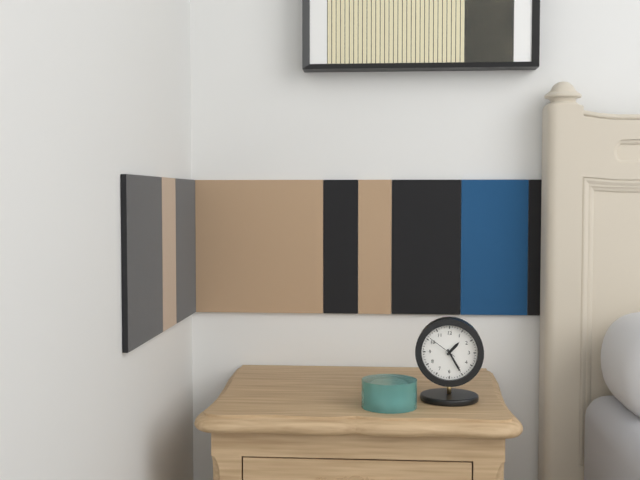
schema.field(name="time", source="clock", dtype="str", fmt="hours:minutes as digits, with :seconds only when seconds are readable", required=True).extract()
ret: 1:25
